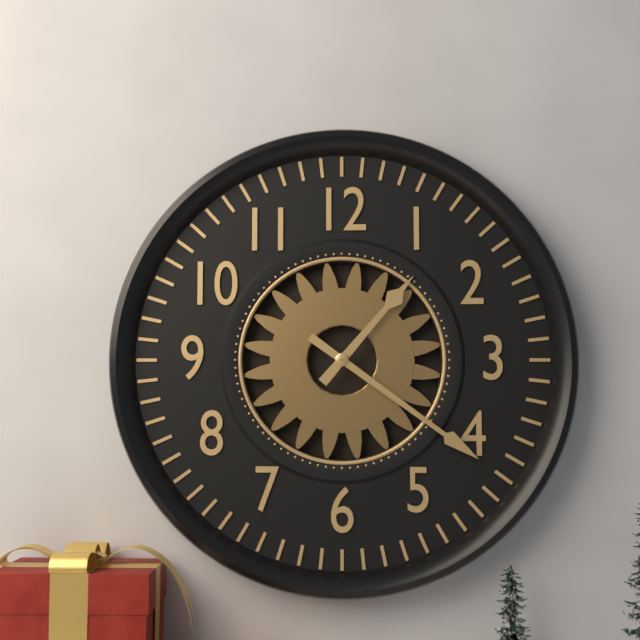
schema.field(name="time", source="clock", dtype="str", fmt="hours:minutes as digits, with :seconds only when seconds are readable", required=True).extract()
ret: 1:21
